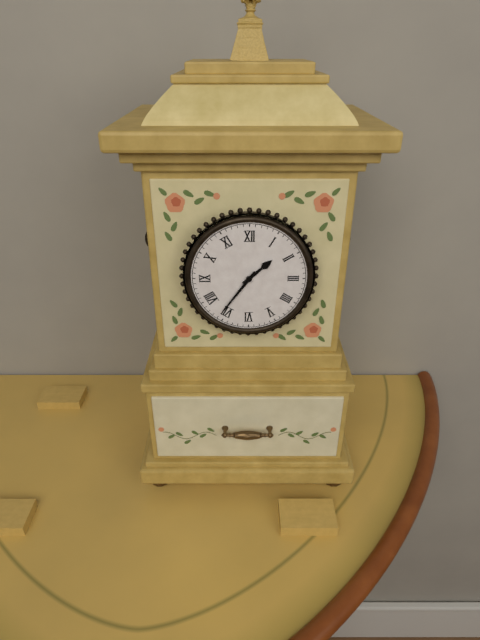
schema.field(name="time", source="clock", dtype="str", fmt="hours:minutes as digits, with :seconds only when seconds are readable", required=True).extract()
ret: 1:36
